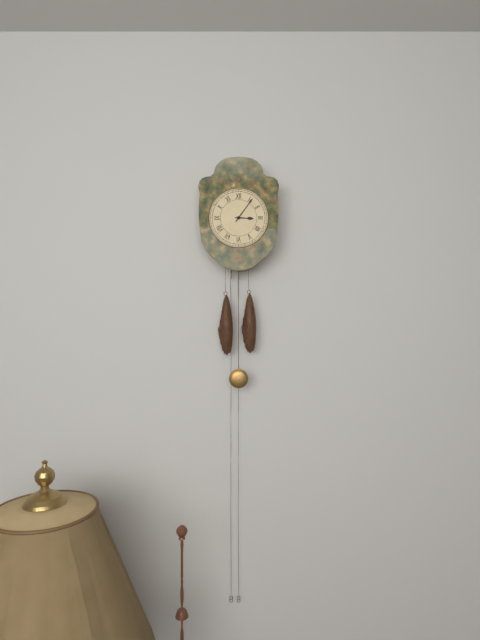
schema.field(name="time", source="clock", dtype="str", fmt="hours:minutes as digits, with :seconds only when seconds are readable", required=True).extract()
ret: 3:06
